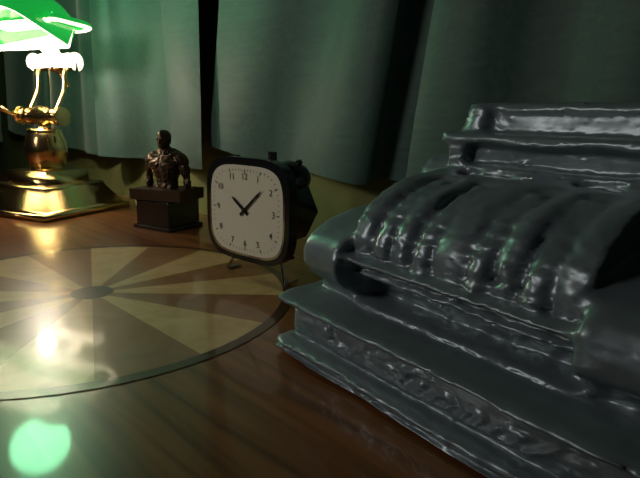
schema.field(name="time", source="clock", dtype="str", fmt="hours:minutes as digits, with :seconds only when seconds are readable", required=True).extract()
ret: 10:08
